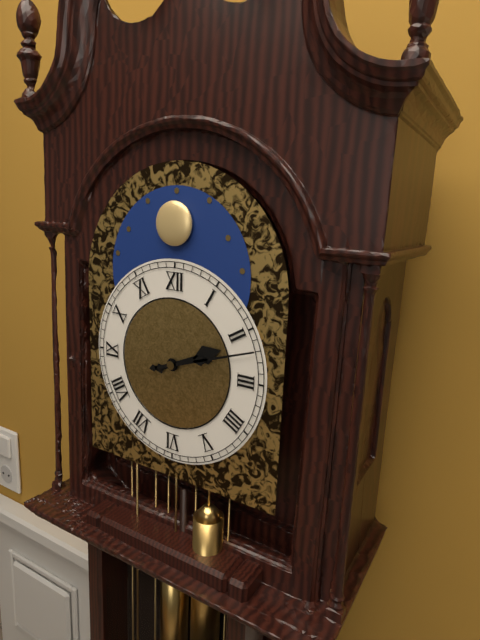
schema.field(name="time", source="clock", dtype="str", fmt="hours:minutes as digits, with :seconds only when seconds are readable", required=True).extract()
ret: 2:12
